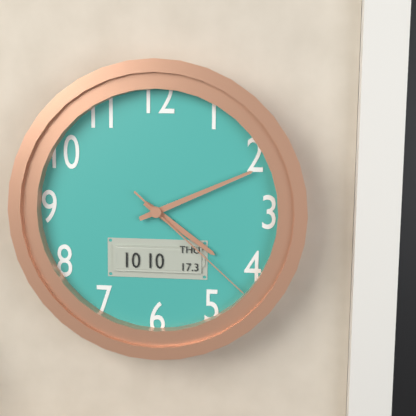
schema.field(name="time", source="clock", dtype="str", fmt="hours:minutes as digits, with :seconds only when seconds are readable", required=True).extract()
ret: 4:11:22
